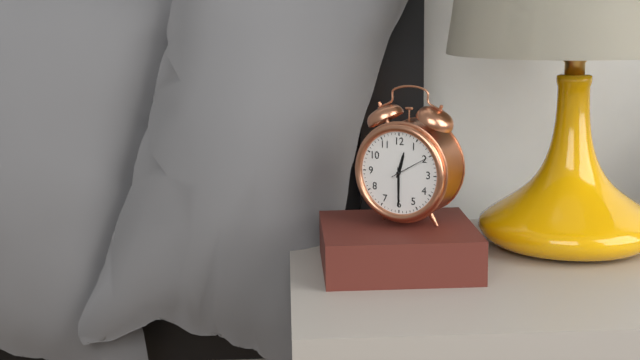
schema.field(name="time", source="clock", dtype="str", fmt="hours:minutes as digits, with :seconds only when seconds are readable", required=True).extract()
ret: 12:30
